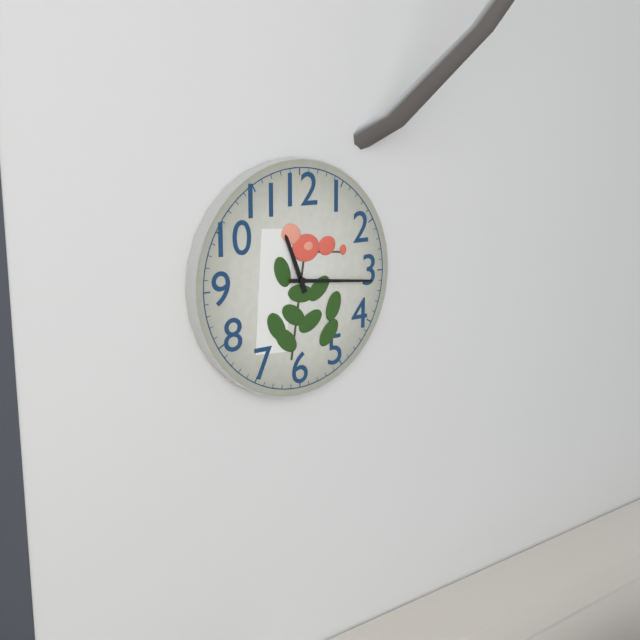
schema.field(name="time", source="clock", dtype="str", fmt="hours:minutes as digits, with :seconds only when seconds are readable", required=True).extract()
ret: 11:16
